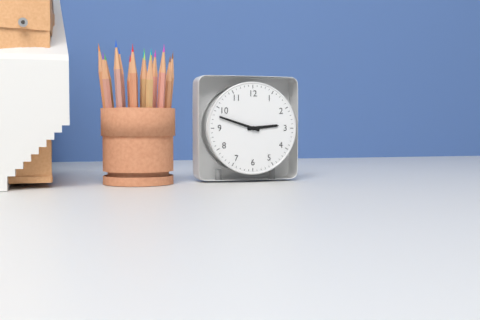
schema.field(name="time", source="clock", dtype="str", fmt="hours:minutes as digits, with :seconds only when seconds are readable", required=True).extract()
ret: 2:48
